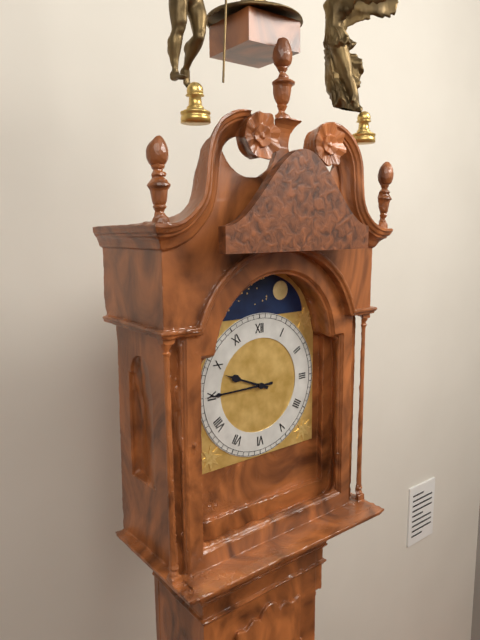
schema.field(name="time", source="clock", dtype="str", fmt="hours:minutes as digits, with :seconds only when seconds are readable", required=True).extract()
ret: 9:45
